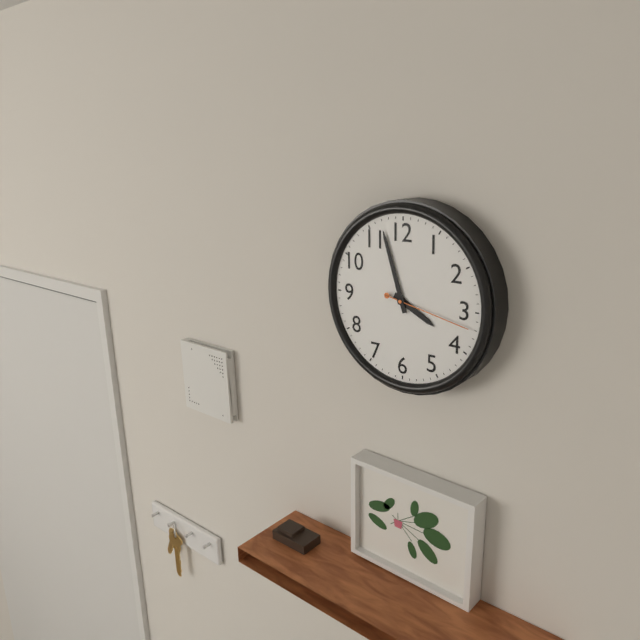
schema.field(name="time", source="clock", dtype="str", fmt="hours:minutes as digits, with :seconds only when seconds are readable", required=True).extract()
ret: 3:57:17
